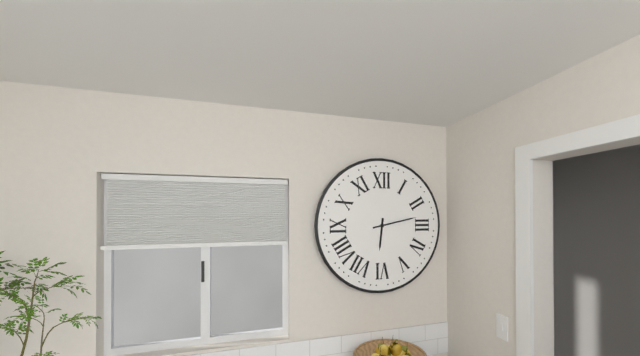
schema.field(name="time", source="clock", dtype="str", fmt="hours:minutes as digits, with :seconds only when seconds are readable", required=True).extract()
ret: 6:13
